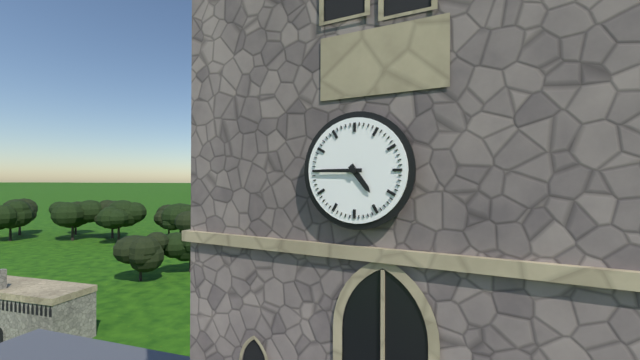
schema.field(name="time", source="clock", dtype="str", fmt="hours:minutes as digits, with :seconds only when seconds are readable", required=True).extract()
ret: 4:45
